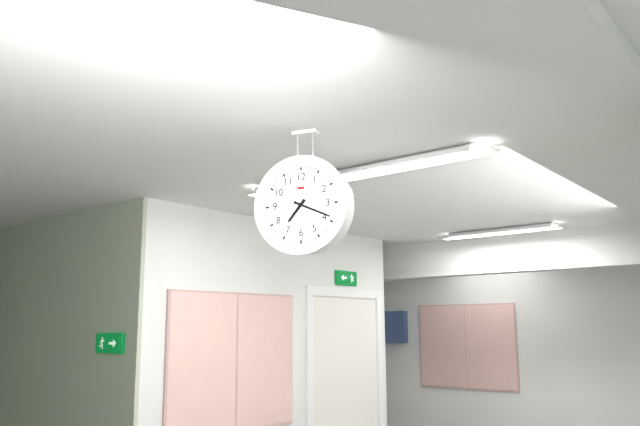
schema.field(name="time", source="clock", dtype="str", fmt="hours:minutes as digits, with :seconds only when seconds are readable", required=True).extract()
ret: 7:19
